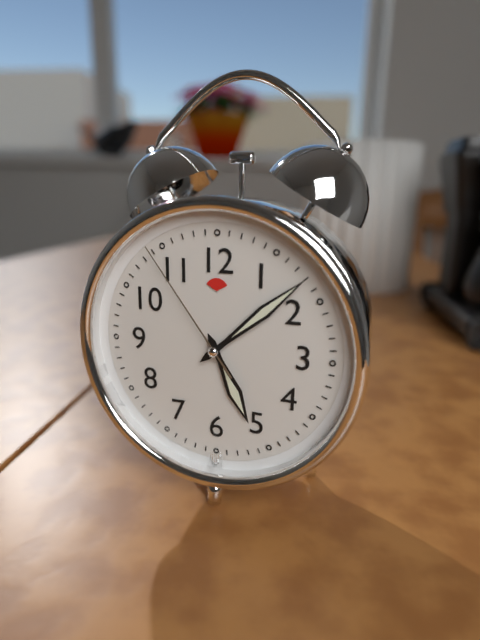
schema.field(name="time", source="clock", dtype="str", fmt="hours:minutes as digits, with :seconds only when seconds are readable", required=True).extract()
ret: 5:08:54
